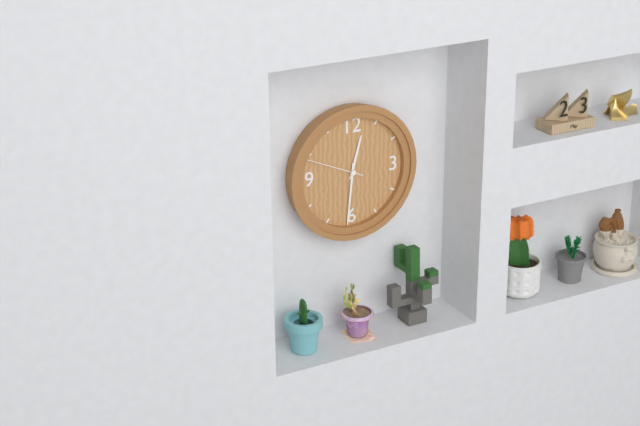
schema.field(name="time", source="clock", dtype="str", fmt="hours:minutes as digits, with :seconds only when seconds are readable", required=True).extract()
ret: 12:31:49
